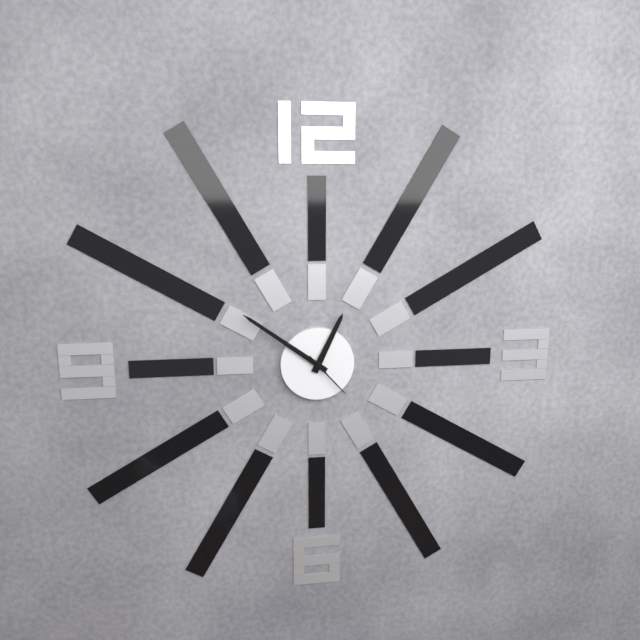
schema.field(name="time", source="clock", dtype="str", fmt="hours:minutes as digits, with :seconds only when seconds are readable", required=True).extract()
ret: 12:51:23
